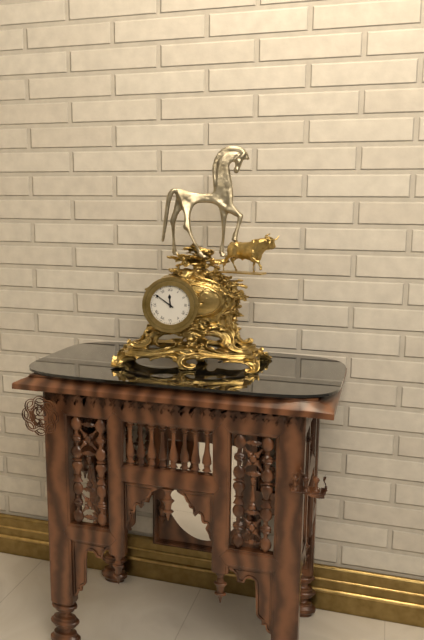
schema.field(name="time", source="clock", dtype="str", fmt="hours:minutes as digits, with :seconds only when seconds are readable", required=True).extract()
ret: 11:51
